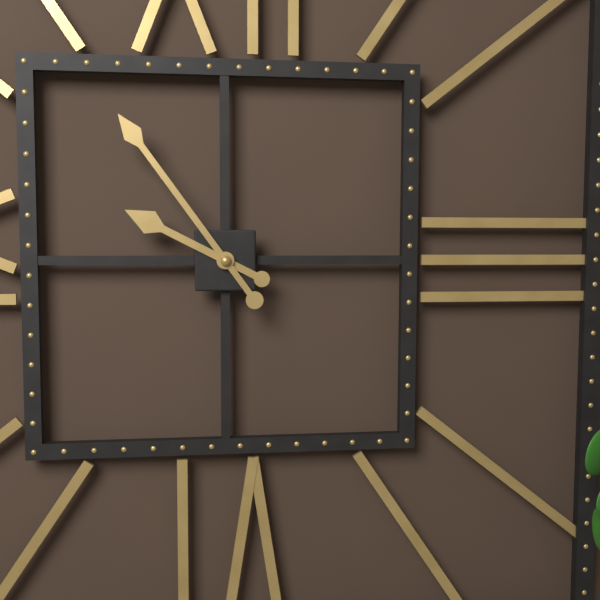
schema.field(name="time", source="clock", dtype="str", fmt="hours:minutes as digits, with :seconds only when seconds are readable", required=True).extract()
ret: 9:54
